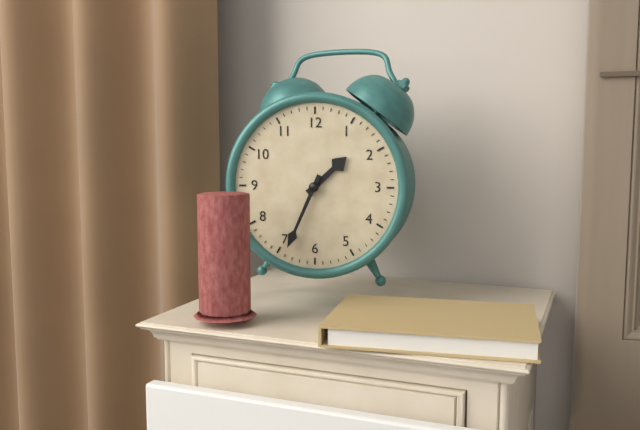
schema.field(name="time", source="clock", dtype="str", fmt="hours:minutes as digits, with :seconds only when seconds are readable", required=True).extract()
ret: 1:34
